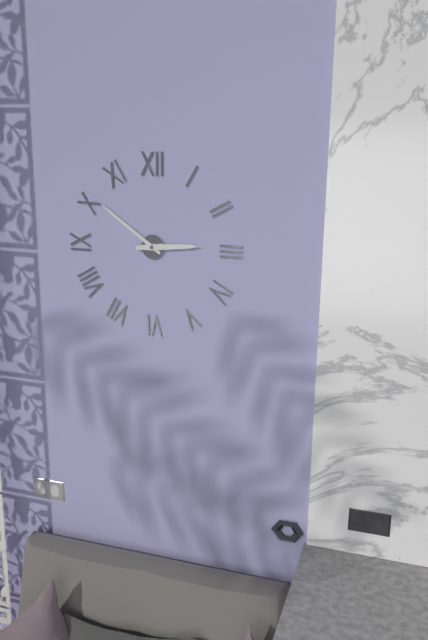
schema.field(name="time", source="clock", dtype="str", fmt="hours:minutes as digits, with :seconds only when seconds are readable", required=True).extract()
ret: 2:51
